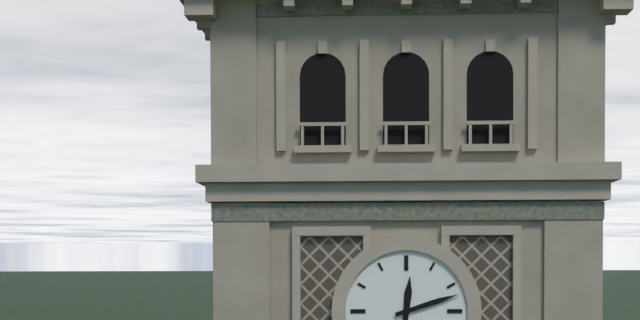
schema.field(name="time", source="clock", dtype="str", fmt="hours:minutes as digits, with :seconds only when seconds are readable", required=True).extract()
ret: 12:12
